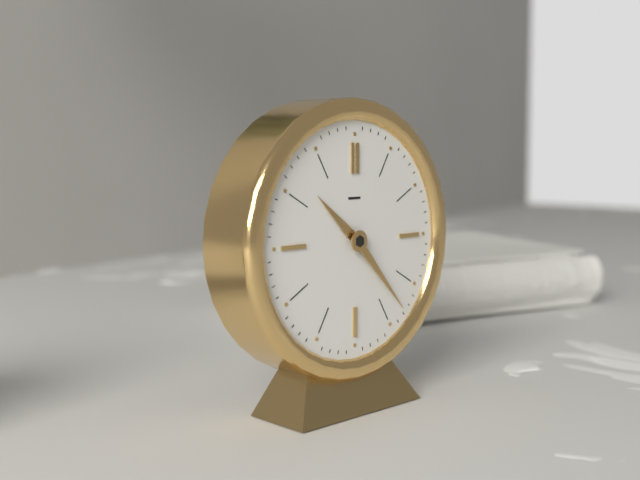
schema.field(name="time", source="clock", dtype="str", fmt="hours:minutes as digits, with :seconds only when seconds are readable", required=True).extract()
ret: 10:23
